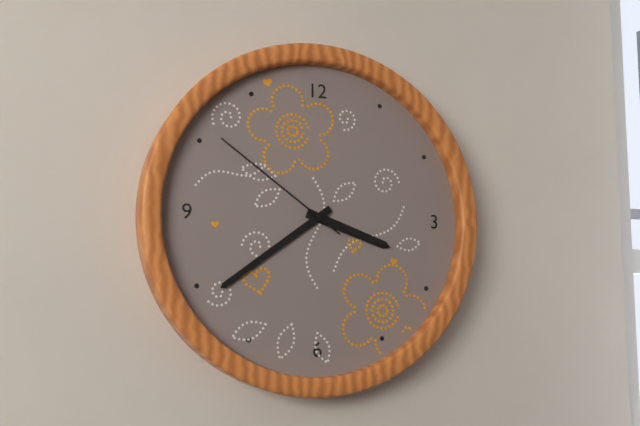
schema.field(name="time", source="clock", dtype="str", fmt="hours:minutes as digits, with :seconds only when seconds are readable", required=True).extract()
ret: 3:39:51
